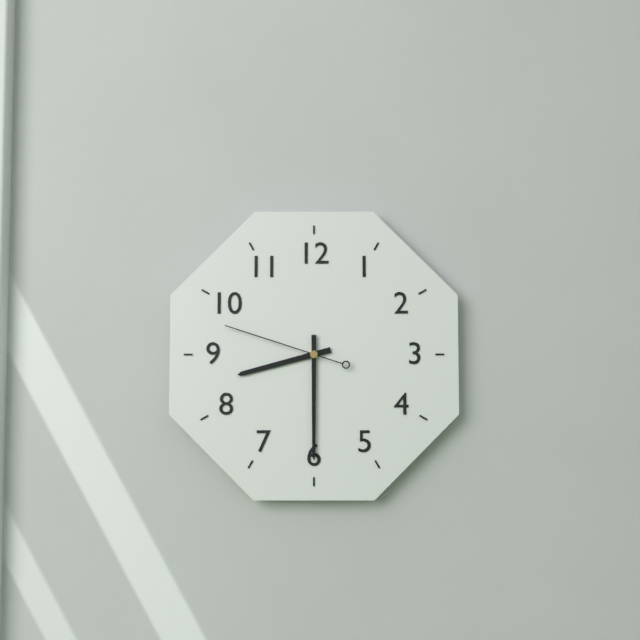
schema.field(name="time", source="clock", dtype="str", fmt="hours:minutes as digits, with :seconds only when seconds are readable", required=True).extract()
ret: 8:30:48
